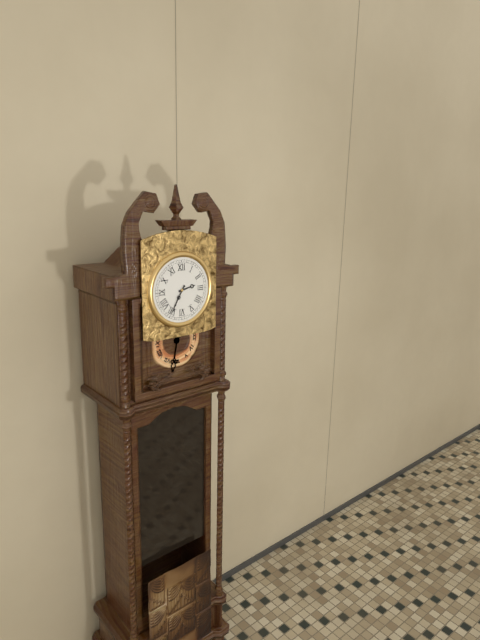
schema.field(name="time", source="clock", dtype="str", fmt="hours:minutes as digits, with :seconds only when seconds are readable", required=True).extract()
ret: 2:35
